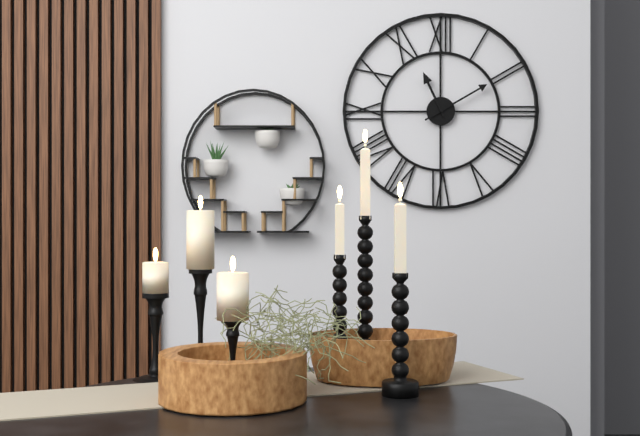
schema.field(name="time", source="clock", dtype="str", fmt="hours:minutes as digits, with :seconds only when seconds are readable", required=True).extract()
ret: 11:10
